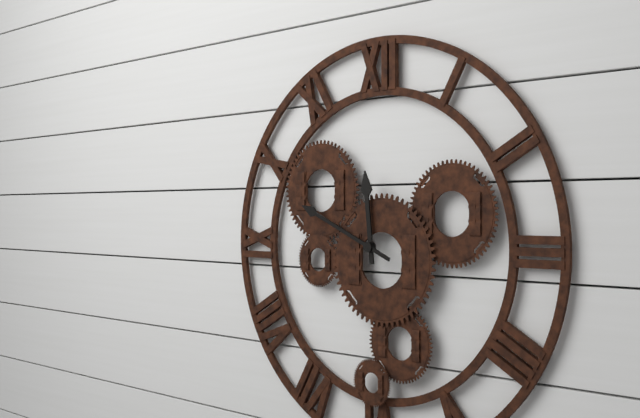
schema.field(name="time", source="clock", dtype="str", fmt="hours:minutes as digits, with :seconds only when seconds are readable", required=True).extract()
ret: 11:49
